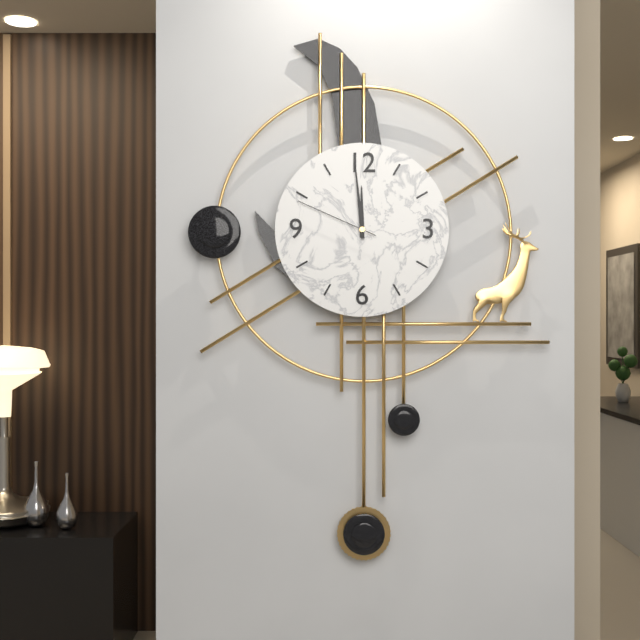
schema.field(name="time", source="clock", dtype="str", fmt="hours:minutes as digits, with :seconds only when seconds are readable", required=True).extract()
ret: 11:59:49
